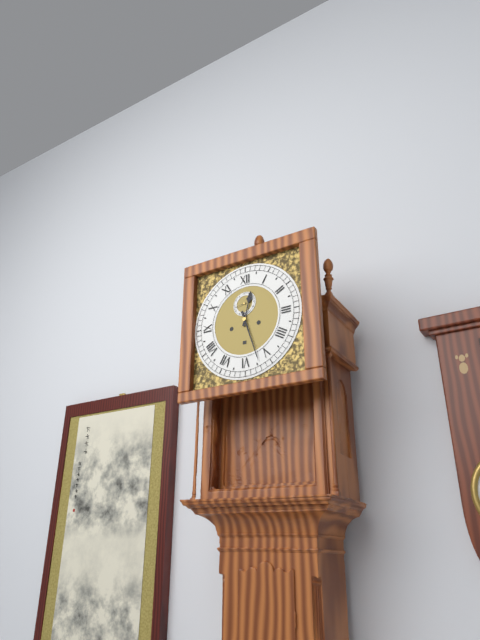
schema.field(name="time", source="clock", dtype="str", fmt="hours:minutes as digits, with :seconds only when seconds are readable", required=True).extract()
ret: 12:27
